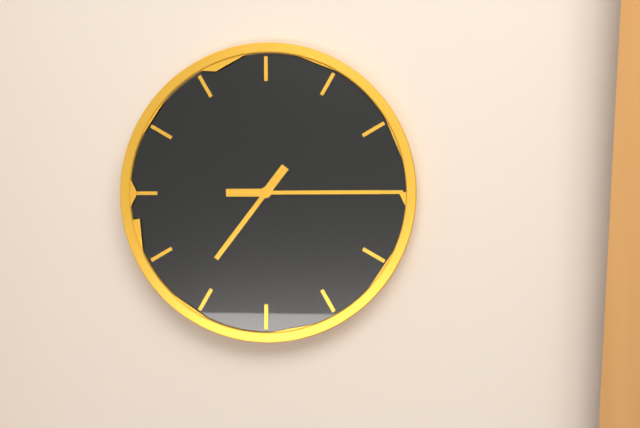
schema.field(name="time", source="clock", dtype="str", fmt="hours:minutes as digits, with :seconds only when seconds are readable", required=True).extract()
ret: 7:15
